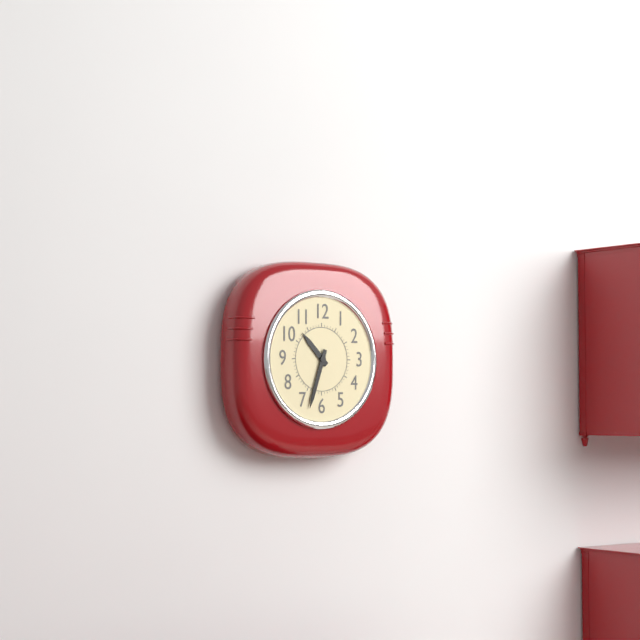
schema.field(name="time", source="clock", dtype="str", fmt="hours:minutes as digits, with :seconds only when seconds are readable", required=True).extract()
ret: 10:33
